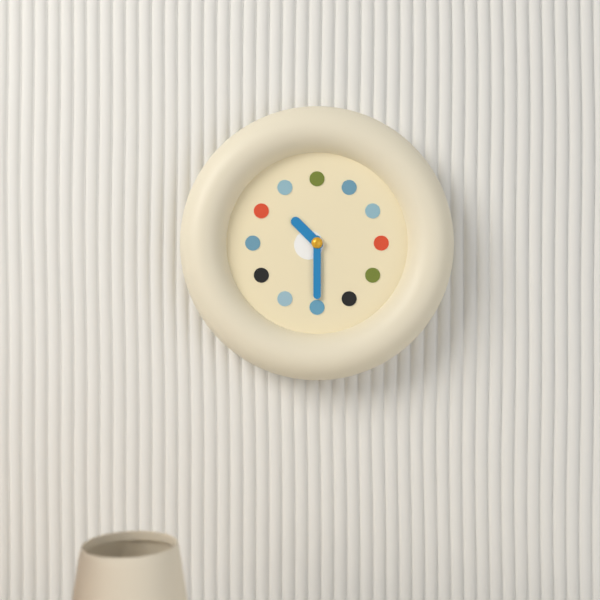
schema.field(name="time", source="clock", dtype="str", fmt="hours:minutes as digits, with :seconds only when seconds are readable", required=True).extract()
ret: 10:30
